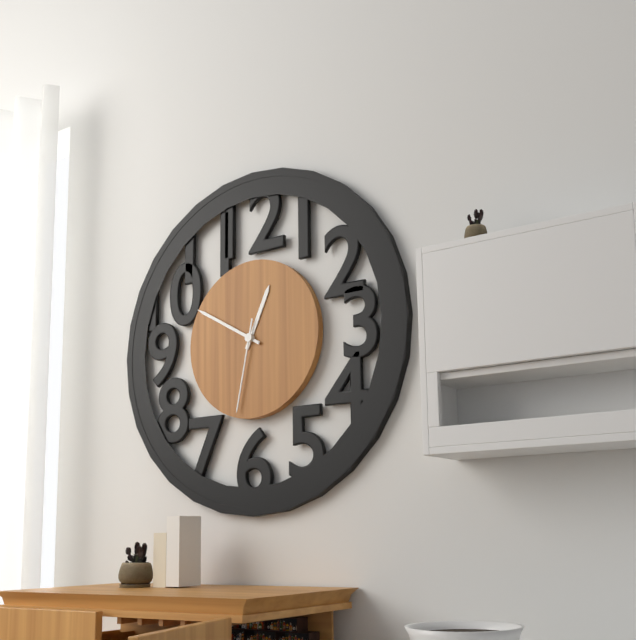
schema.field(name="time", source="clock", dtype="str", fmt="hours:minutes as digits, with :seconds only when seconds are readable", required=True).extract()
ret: 12:50:32
